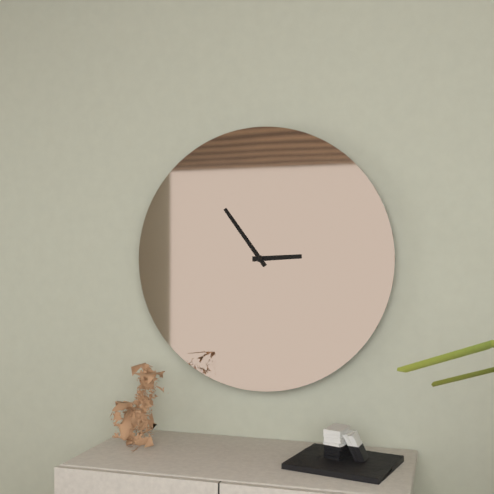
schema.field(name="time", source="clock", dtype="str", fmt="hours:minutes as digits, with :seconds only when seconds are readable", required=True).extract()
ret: 2:54
